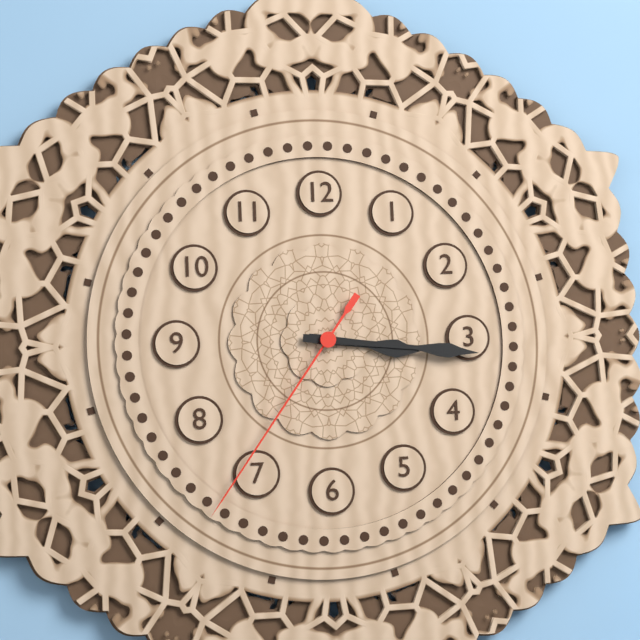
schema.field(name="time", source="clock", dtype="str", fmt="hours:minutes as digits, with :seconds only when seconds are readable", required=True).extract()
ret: 3:16:36
